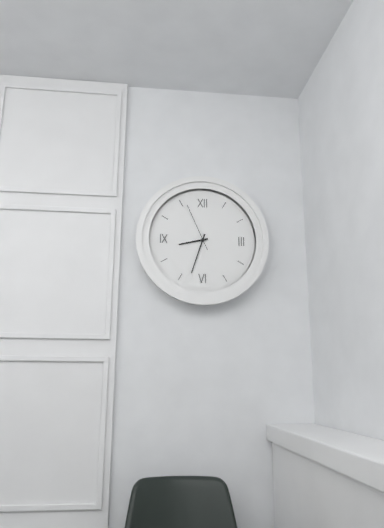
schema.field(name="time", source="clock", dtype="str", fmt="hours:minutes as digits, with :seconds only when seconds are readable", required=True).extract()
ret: 8:33
